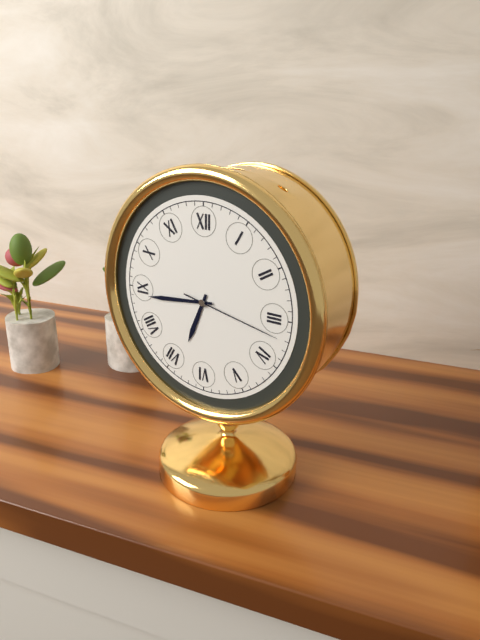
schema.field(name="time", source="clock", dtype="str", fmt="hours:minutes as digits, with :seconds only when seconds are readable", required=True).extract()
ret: 6:44:17
